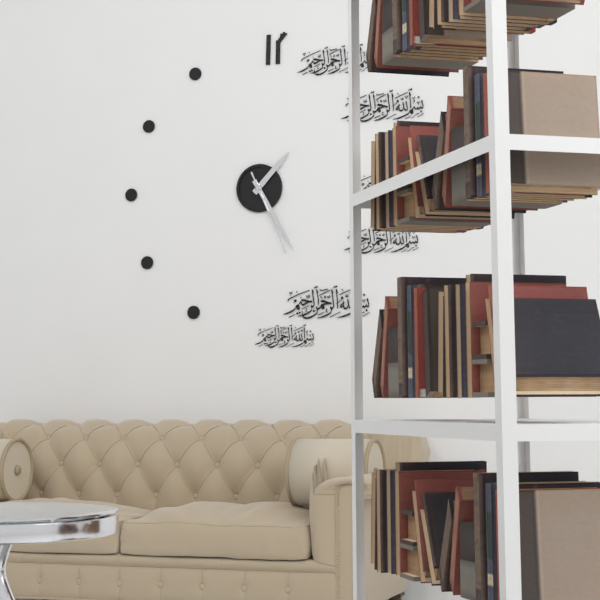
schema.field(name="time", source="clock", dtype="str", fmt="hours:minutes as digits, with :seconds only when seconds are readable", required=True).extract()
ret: 1:25:26
